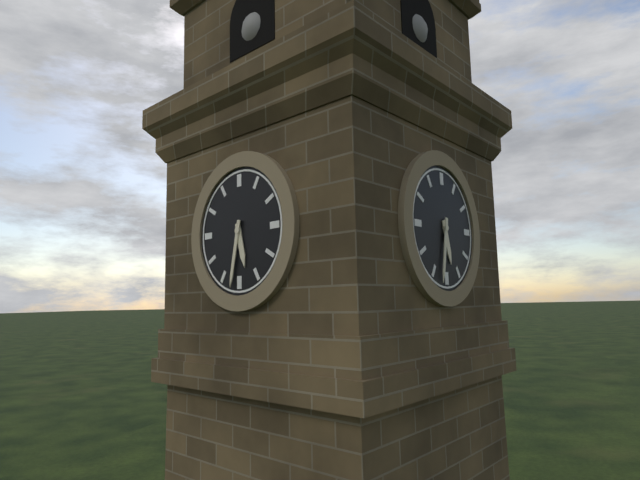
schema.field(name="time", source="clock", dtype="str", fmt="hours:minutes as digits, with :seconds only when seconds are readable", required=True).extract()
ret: 5:32
